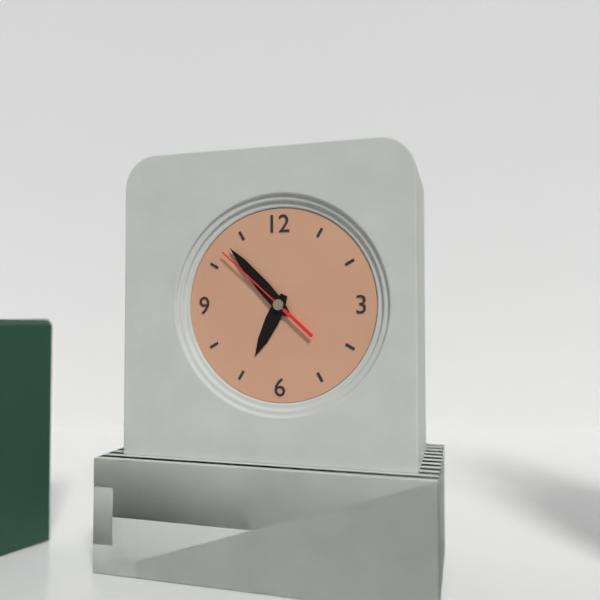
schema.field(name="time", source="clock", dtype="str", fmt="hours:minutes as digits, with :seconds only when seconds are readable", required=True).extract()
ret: 6:53:52
